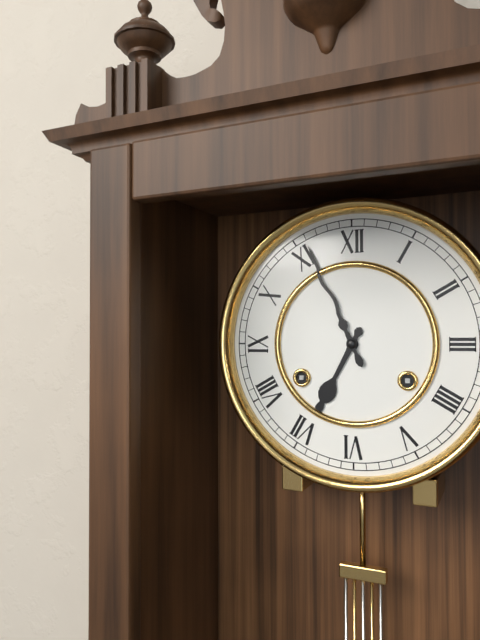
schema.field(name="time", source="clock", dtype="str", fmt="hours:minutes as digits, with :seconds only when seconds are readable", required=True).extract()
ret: 6:56
